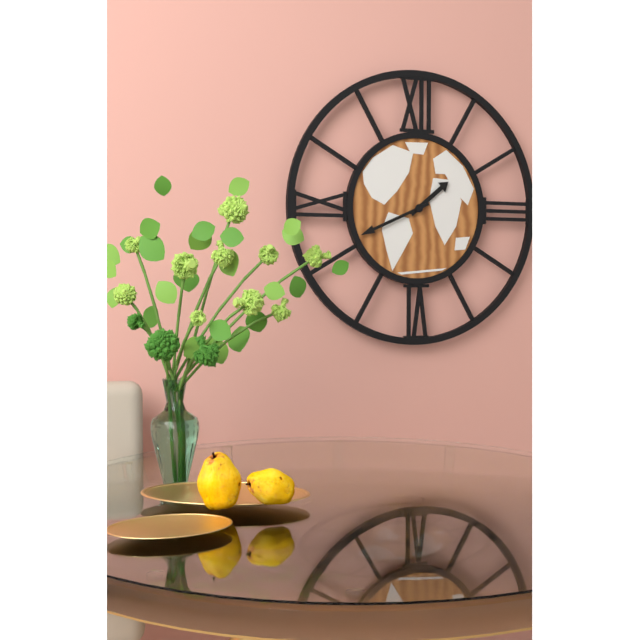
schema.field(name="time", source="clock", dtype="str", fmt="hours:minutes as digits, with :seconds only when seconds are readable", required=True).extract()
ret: 1:41
